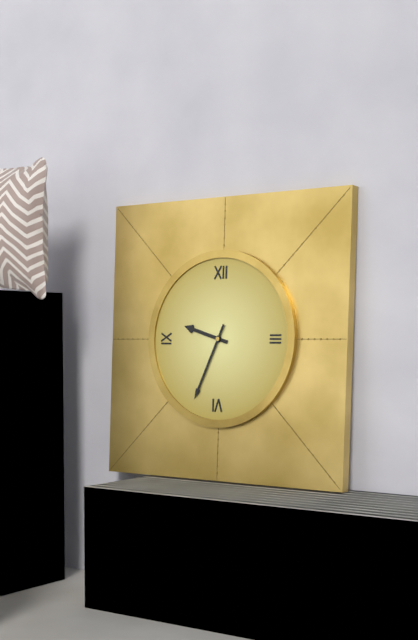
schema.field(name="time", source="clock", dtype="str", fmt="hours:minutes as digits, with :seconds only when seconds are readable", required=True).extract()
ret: 9:34
